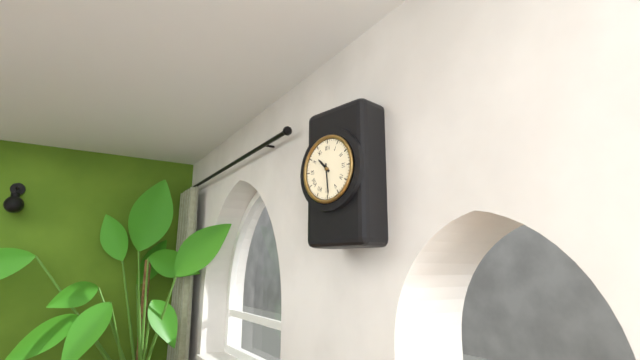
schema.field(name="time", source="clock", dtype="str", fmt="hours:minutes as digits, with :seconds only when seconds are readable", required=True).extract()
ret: 10:29
